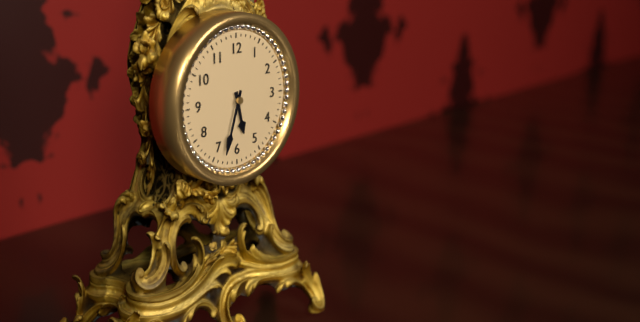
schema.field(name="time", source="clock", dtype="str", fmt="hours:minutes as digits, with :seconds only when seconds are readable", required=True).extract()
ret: 5:33
